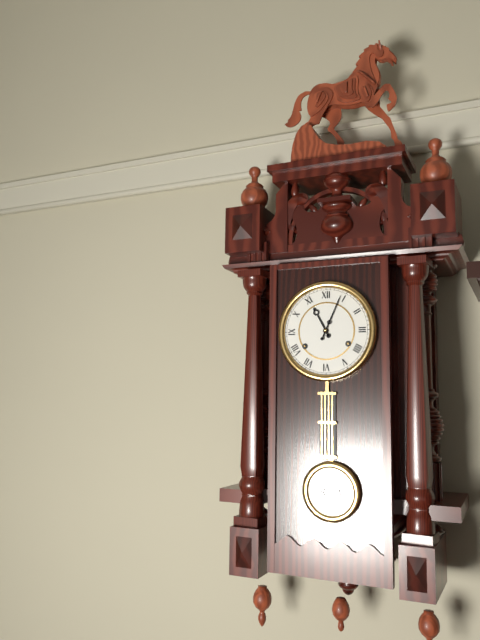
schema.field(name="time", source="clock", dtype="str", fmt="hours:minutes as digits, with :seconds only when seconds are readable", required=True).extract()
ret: 11:04
